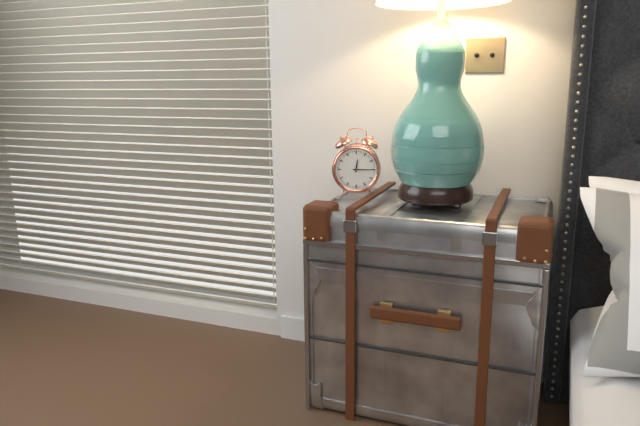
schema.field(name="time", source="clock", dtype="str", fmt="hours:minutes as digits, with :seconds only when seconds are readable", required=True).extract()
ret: 12:15
